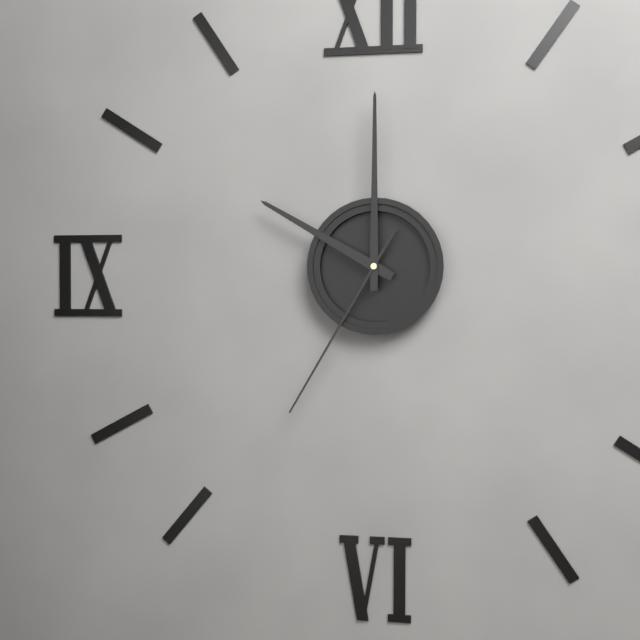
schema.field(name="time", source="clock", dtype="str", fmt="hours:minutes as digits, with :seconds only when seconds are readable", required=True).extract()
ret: 10:00:35
